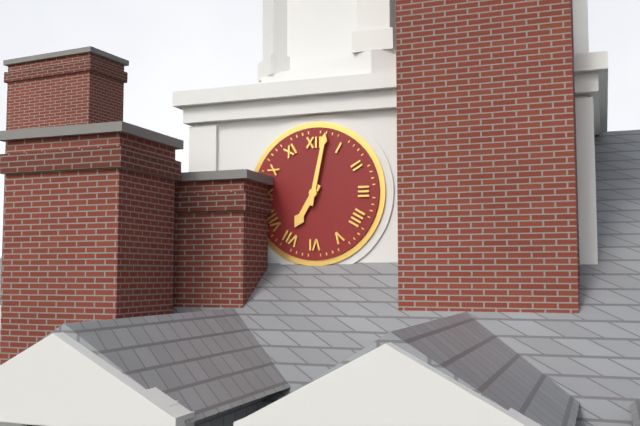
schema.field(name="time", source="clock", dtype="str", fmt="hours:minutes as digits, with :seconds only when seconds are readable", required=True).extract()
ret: 7:02
